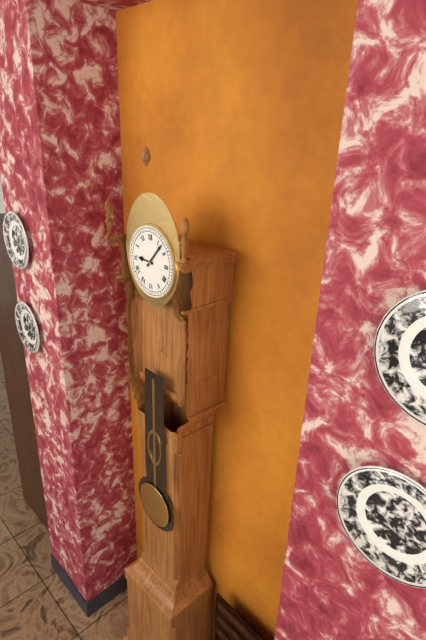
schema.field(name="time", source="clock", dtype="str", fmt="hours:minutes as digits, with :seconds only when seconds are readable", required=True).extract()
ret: 9:07
